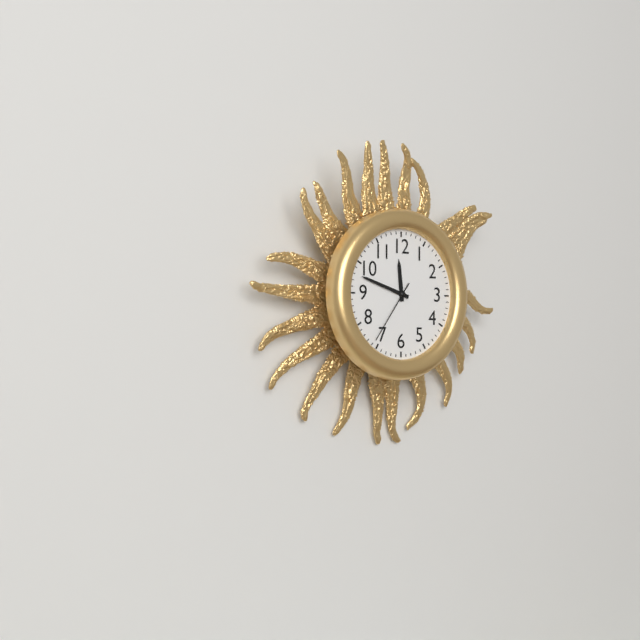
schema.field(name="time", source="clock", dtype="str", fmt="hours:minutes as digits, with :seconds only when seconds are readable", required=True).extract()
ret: 11:48:36
